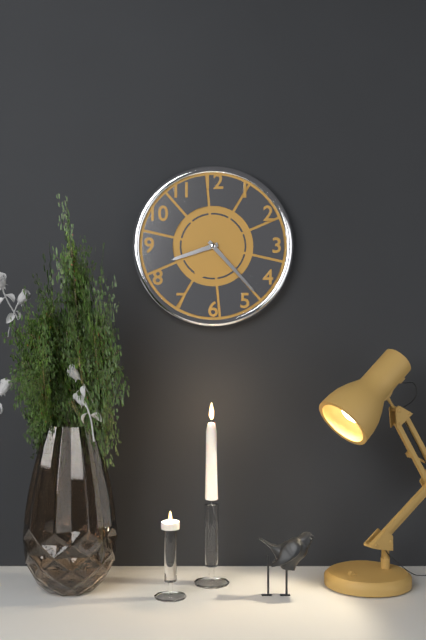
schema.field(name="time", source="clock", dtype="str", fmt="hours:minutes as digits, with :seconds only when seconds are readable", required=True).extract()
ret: 8:23
